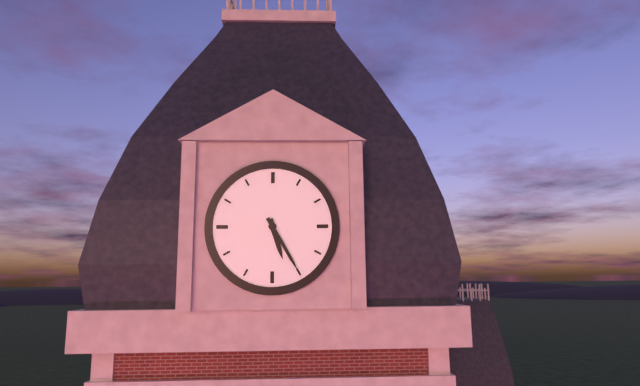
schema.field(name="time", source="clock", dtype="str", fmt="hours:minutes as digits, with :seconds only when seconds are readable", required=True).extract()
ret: 5:25
